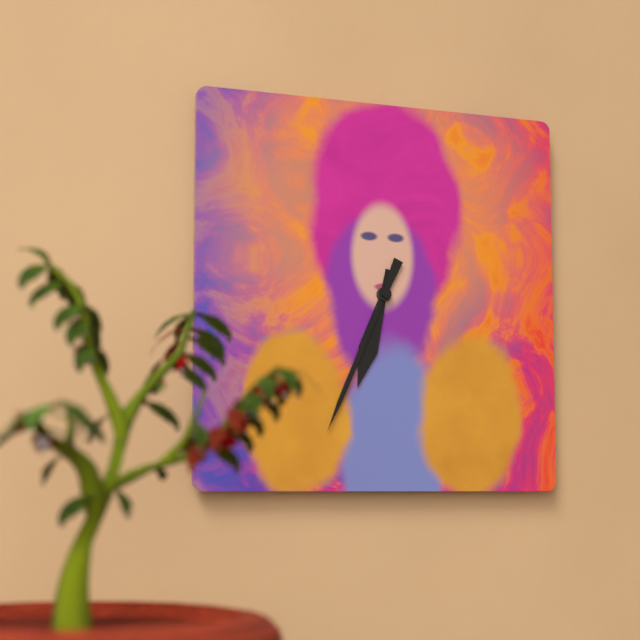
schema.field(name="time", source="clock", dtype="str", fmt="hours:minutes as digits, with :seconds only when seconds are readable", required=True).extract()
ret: 6:34
